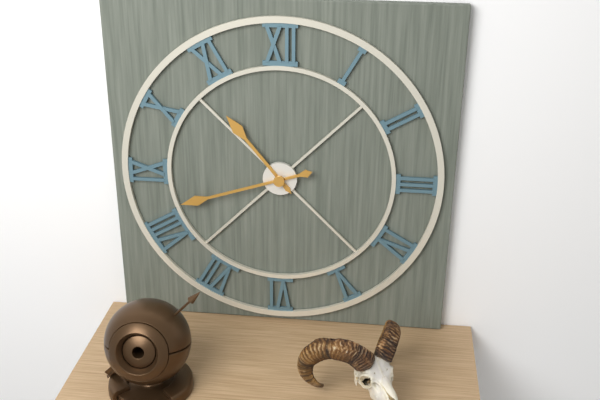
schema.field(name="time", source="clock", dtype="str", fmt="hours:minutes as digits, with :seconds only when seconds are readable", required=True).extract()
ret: 10:42
